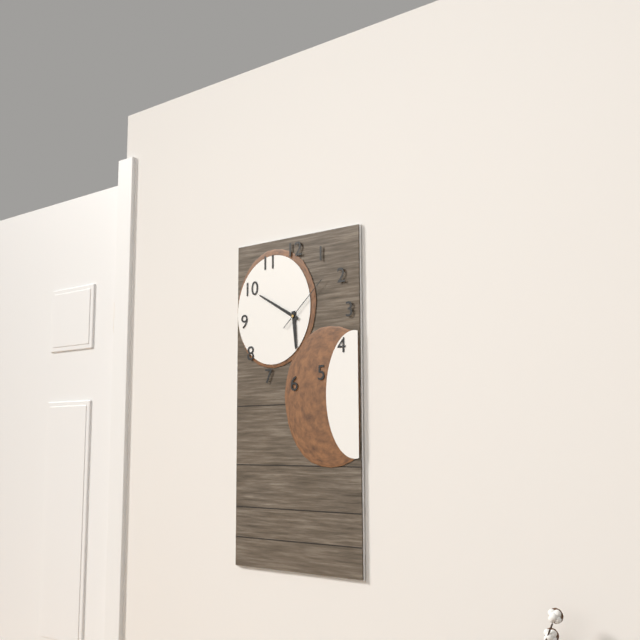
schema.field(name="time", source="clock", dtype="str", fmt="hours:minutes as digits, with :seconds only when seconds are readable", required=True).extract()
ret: 5:50:08
